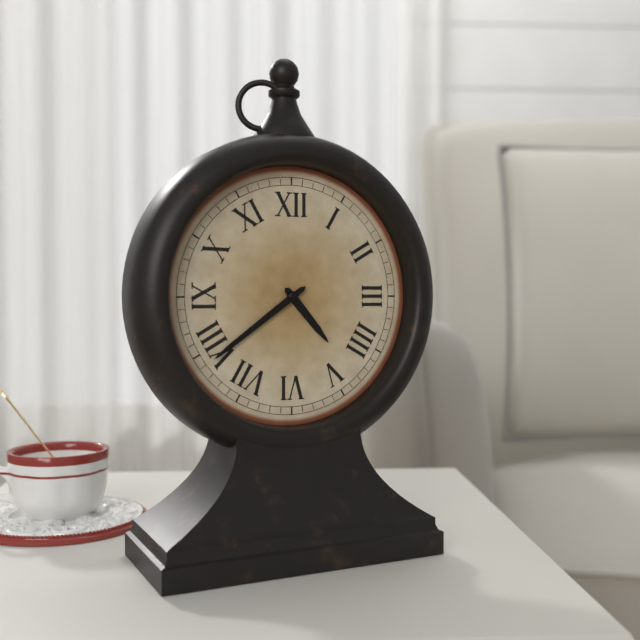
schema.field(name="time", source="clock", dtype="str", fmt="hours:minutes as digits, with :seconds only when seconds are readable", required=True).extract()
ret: 4:39
